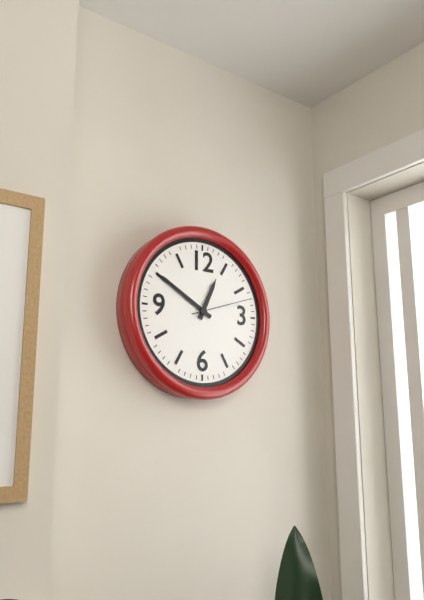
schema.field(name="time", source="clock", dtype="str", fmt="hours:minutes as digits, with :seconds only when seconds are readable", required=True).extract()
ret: 12:50:12
